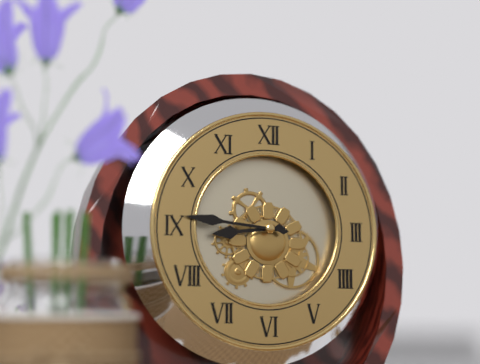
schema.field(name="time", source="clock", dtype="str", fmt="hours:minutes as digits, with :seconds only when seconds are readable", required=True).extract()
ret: 8:46
